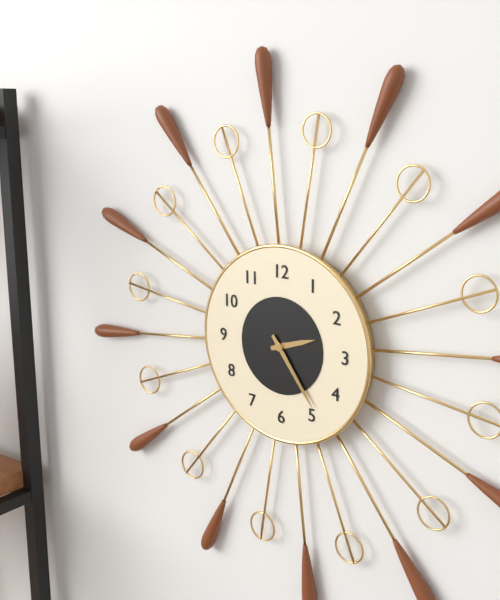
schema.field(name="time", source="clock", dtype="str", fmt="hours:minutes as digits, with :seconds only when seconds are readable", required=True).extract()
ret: 2:24
